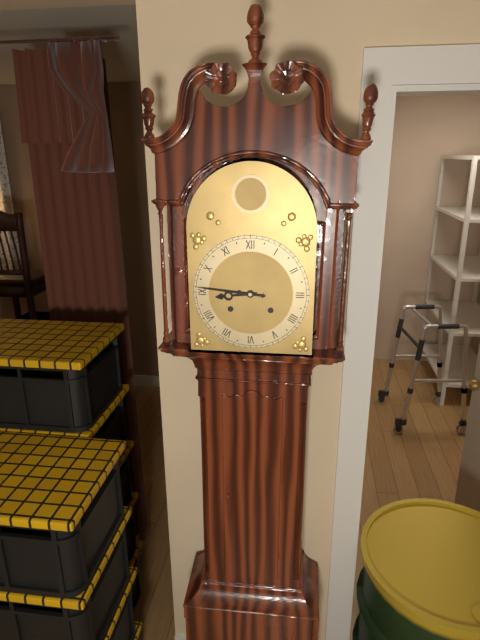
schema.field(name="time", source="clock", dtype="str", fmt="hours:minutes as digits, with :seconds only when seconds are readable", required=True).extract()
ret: 8:46
